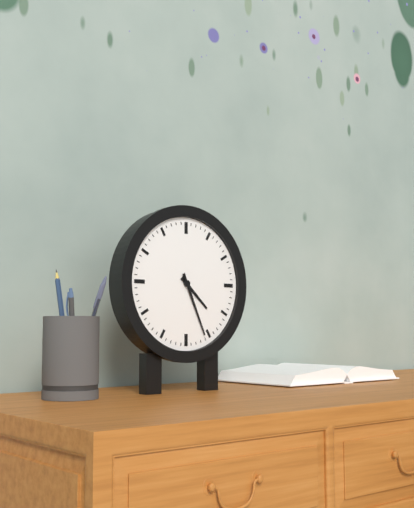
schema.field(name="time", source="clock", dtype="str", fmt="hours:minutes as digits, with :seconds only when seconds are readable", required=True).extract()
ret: 4:26
